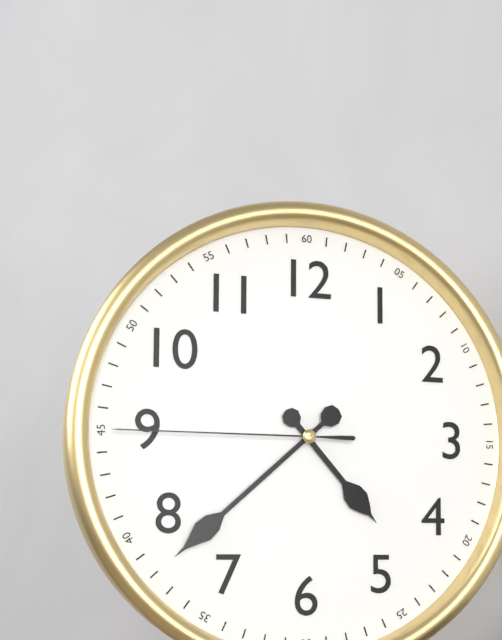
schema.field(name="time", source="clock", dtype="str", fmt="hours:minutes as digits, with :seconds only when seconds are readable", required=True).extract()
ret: 4:38:45
